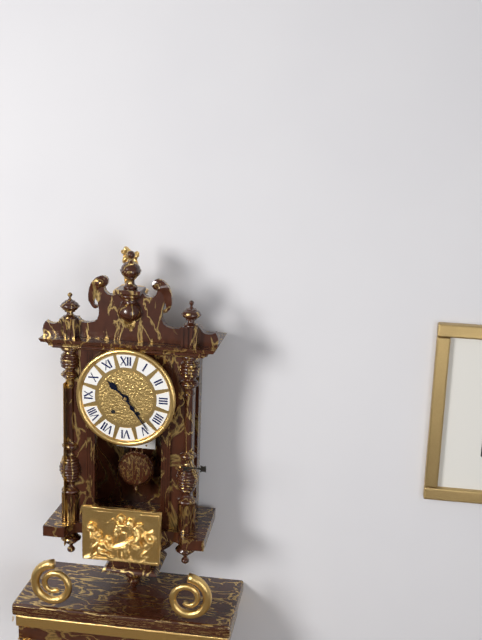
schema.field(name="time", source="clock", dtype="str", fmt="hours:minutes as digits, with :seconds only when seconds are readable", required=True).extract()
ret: 10:24
